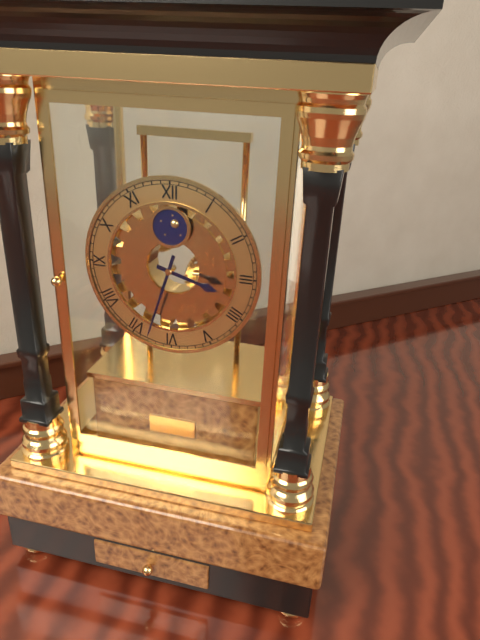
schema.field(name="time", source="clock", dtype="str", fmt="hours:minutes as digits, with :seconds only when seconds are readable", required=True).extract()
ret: 3:33
